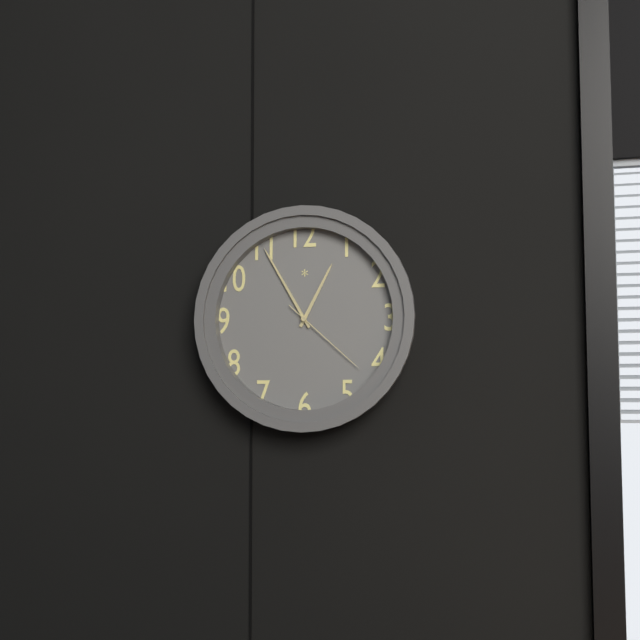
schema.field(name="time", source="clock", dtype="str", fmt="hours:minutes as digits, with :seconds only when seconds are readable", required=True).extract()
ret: 12:55:22
